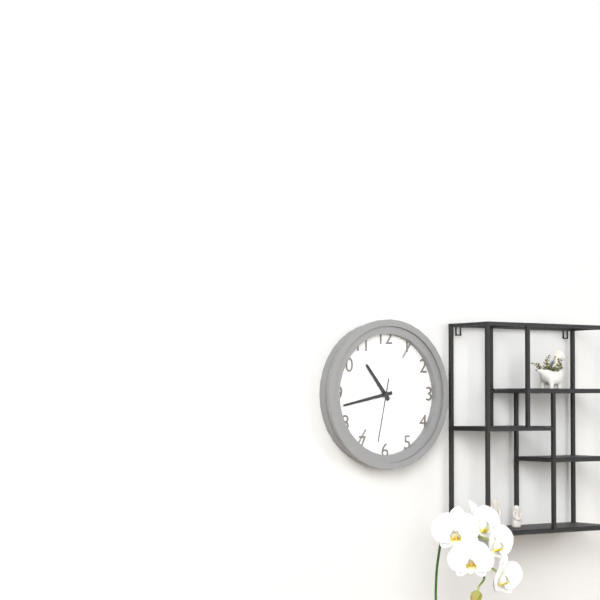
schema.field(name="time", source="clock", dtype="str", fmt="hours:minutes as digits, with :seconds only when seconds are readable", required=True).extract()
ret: 10:43:32
